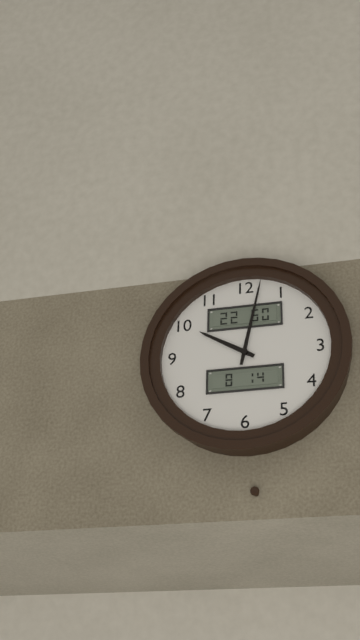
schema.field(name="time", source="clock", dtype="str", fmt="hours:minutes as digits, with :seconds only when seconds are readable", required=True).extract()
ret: 10:02
